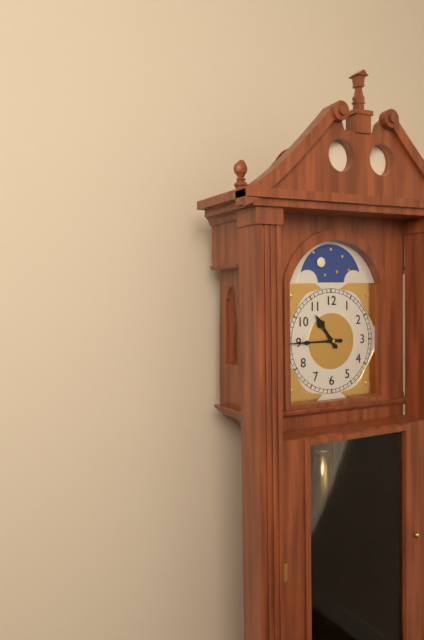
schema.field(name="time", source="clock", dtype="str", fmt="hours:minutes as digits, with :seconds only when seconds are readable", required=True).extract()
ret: 10:45
